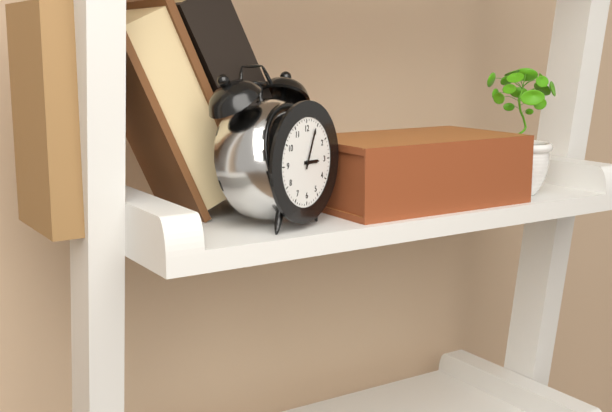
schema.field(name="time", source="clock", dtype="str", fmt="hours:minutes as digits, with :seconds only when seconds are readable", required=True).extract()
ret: 3:04
